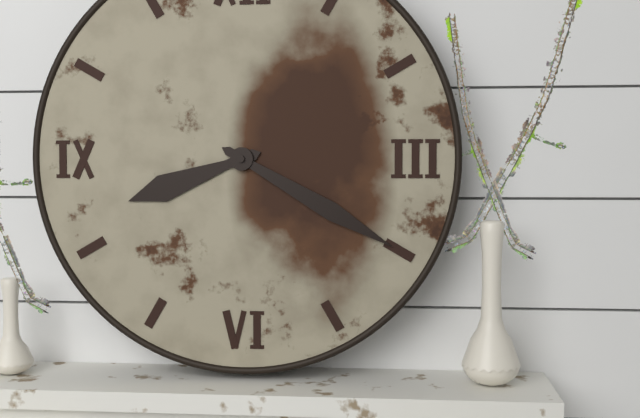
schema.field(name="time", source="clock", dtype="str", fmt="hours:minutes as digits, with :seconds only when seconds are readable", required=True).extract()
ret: 8:20
